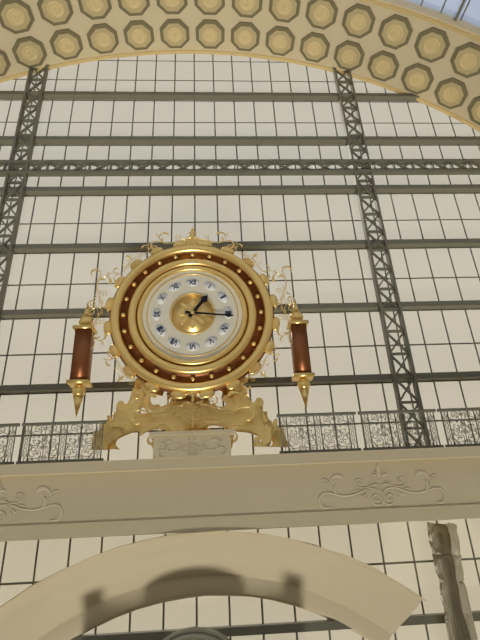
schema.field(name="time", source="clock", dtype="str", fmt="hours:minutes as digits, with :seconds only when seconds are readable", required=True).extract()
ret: 1:16
